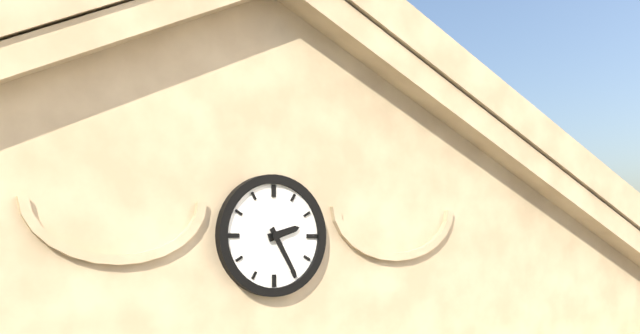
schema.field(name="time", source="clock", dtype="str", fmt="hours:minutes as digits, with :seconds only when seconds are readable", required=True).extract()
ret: 2:25
